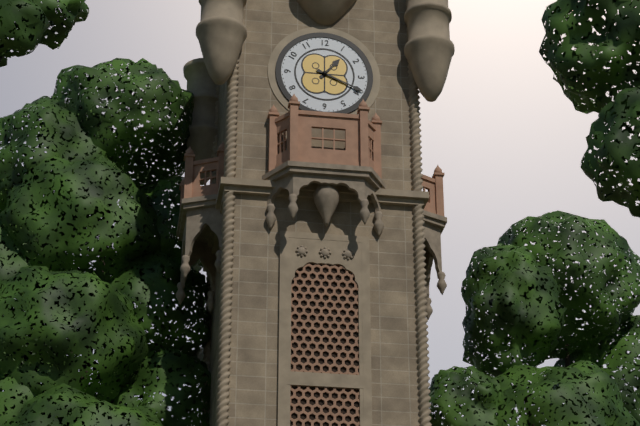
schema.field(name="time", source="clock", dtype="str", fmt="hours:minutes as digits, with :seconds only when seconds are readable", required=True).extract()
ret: 1:19
